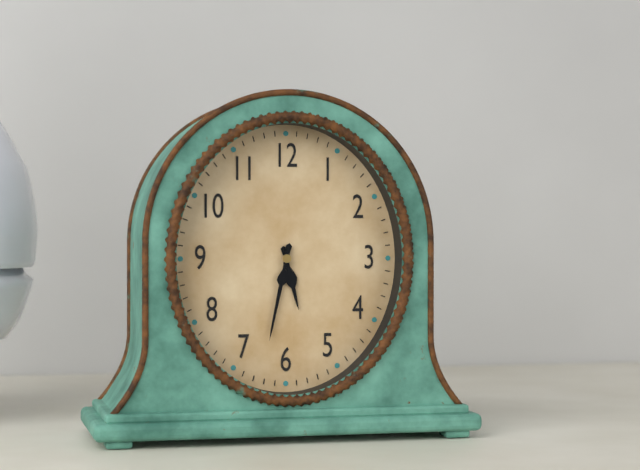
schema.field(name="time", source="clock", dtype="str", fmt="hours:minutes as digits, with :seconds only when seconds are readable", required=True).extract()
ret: 5:32
